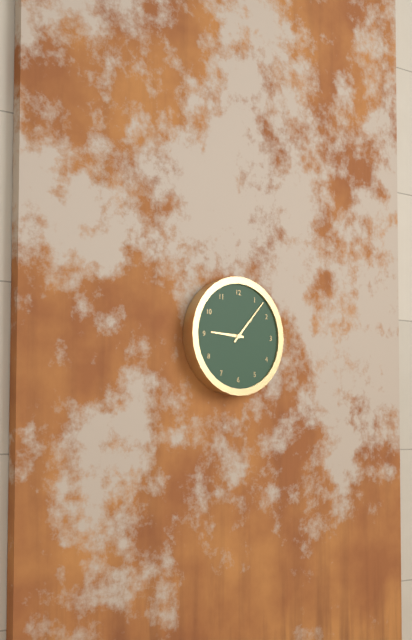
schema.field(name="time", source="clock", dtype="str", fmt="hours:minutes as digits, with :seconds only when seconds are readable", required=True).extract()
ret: 9:07
